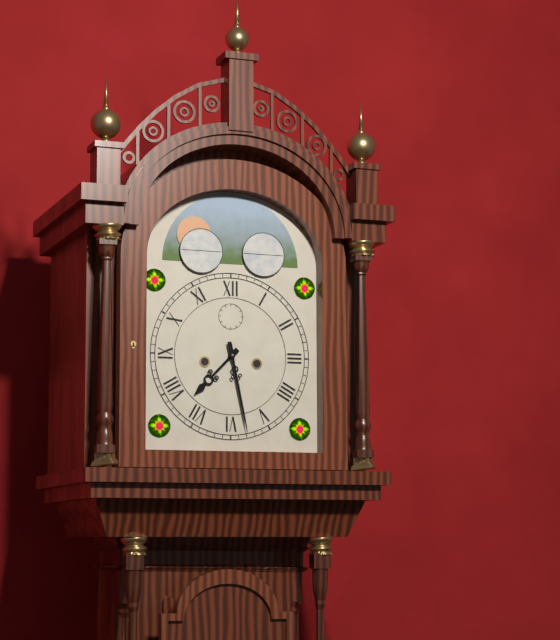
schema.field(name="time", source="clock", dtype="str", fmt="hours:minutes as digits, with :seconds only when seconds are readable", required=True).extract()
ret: 7:28
